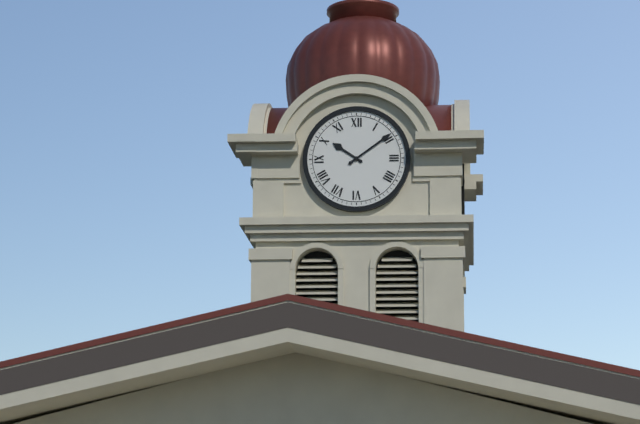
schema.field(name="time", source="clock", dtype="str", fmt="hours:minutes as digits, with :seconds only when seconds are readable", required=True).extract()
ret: 10:09
